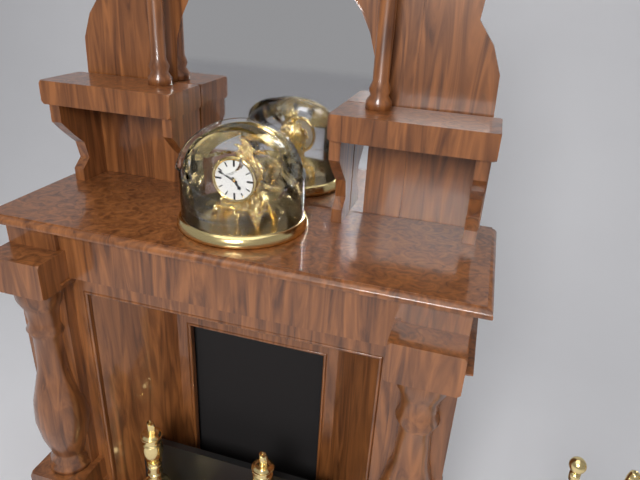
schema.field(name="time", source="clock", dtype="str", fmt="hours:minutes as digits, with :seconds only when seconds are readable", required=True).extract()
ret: 4:49
